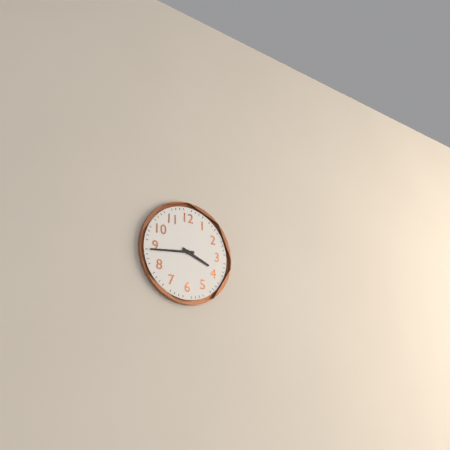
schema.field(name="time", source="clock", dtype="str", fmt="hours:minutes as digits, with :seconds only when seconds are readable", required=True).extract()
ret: 3:44
